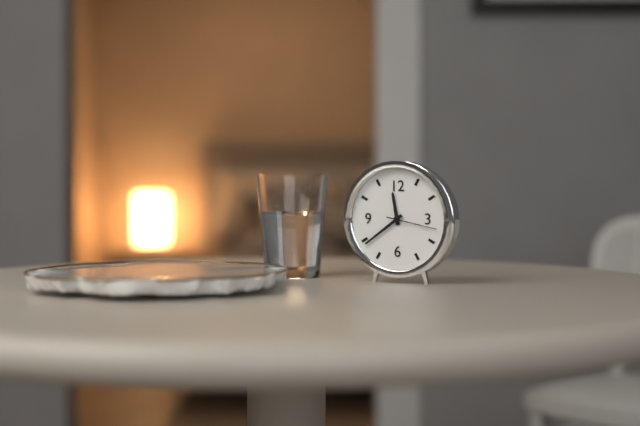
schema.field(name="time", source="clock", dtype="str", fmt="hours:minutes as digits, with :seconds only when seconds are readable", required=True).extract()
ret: 11:39:17
